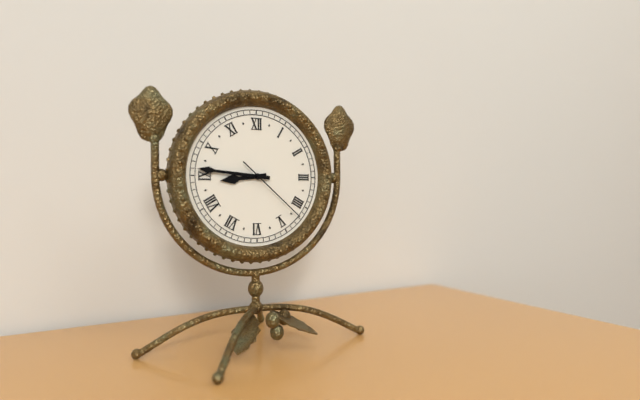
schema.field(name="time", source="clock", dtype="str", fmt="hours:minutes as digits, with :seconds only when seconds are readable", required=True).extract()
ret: 8:46:22
